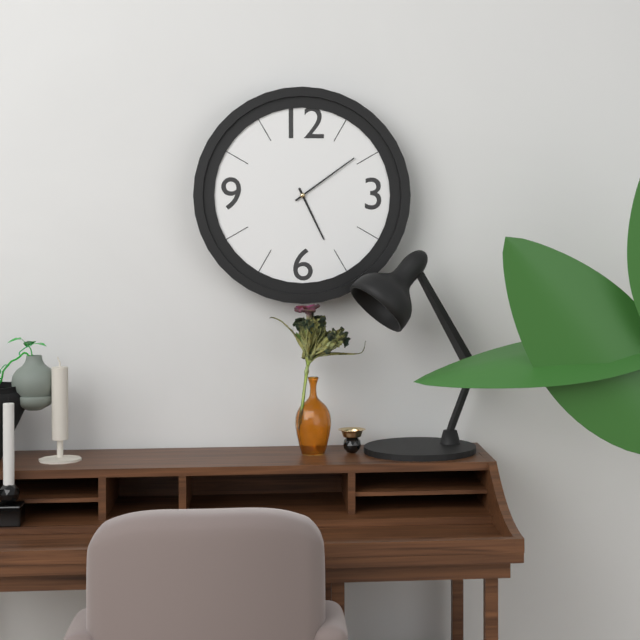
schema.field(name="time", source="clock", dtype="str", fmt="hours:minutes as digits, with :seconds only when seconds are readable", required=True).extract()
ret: 5:09
